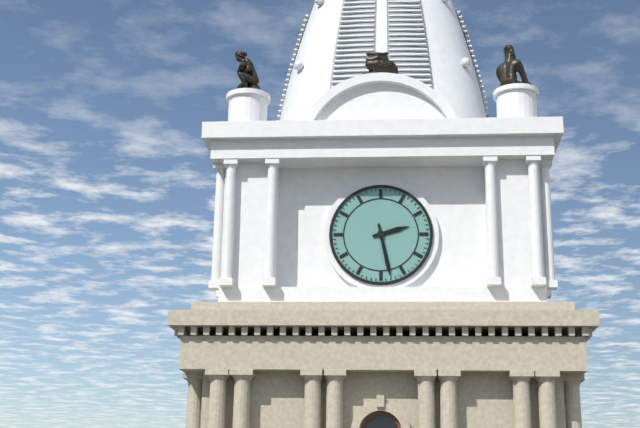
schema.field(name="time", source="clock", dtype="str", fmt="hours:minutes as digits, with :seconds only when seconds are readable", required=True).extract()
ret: 2:28
